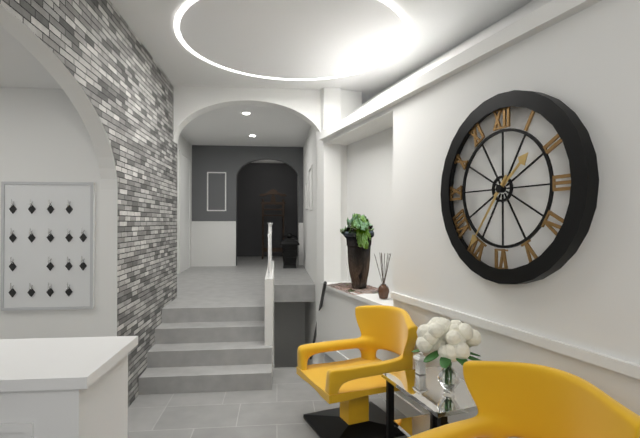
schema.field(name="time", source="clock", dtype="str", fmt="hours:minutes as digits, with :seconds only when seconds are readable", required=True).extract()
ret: 1:36
